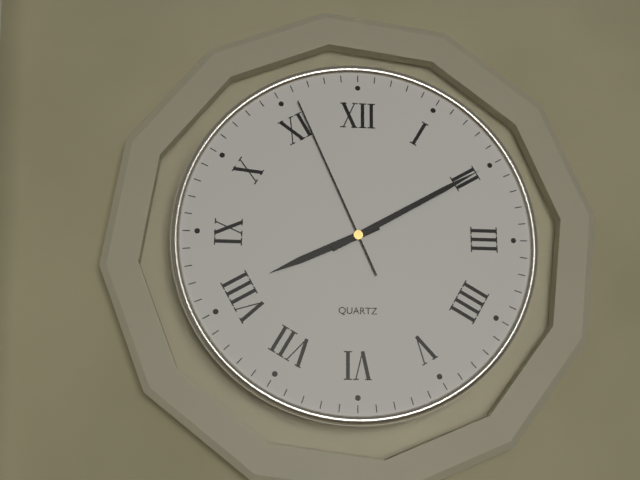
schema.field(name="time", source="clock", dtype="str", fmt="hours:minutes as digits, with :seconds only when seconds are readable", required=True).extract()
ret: 8:10:56
